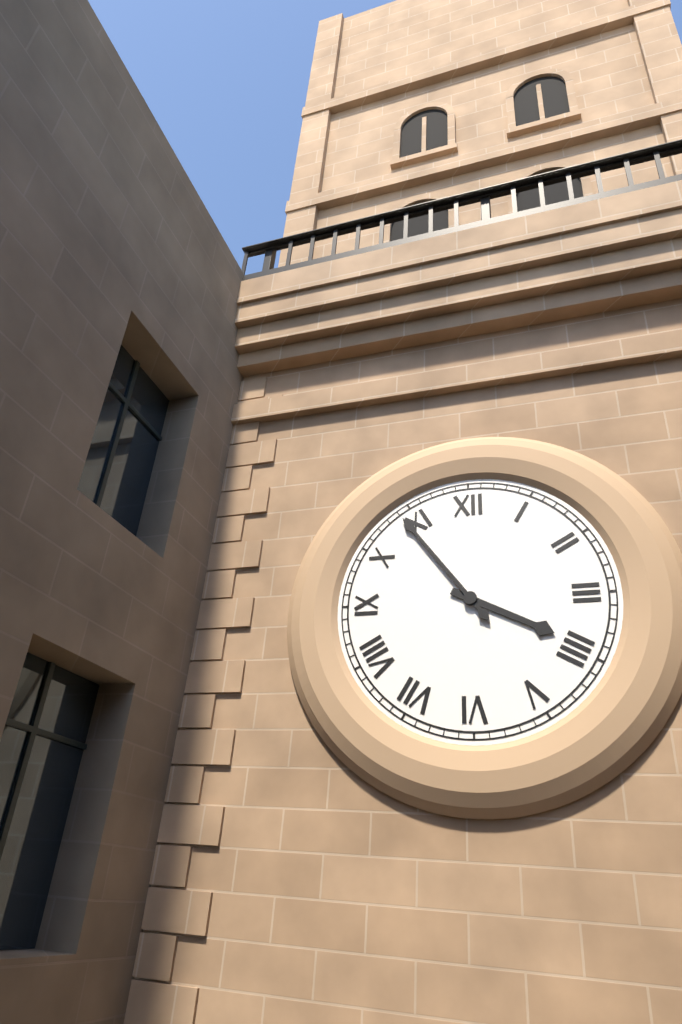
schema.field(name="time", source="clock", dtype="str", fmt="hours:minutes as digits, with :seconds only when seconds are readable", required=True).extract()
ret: 3:54
